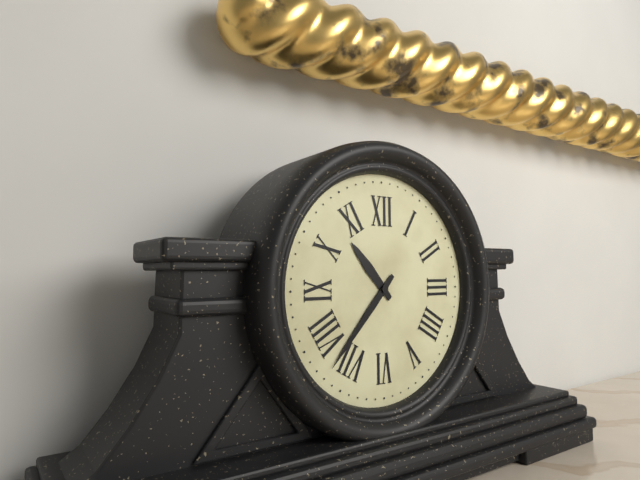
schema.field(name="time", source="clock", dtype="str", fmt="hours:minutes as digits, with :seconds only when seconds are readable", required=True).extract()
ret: 10:37
